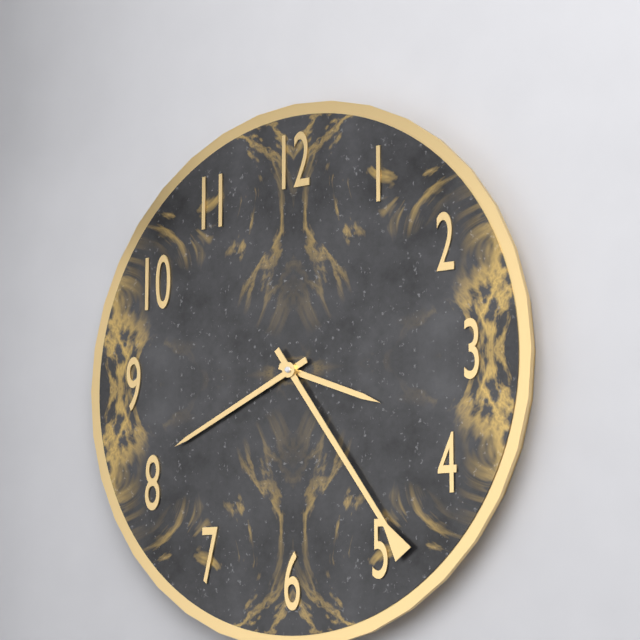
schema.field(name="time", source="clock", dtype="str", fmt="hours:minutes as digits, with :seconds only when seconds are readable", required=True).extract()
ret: 3:41:24
